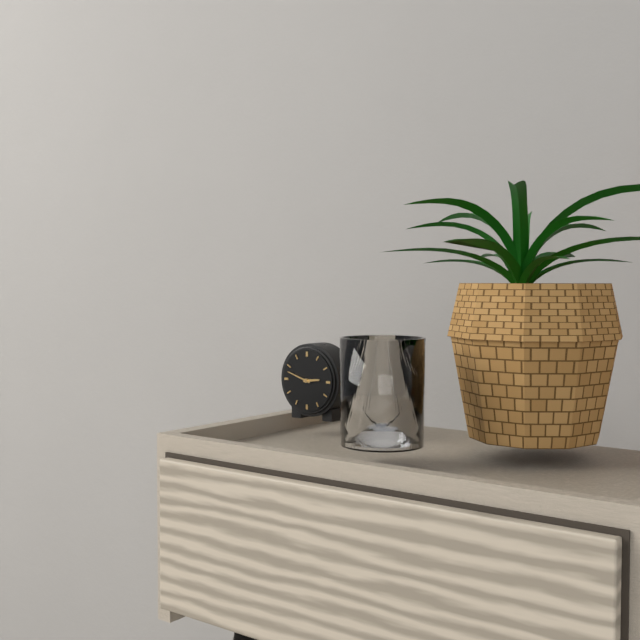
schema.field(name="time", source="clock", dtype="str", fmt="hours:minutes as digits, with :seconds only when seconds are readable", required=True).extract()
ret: 2:48
